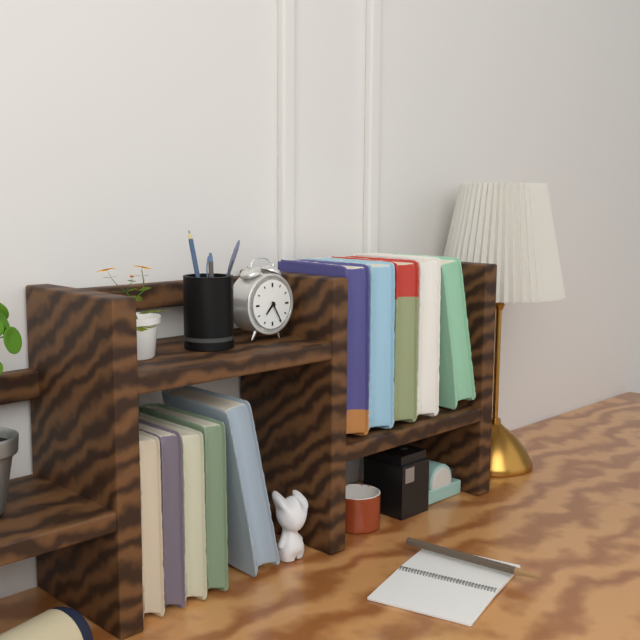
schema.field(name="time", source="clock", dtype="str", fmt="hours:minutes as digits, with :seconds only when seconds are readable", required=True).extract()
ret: 7:25
